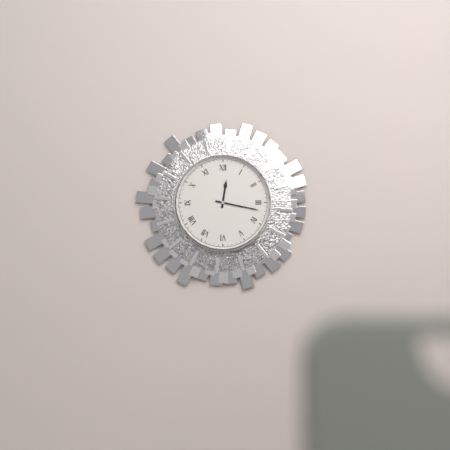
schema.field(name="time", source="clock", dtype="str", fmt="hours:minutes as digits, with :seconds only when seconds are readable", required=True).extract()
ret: 12:17
